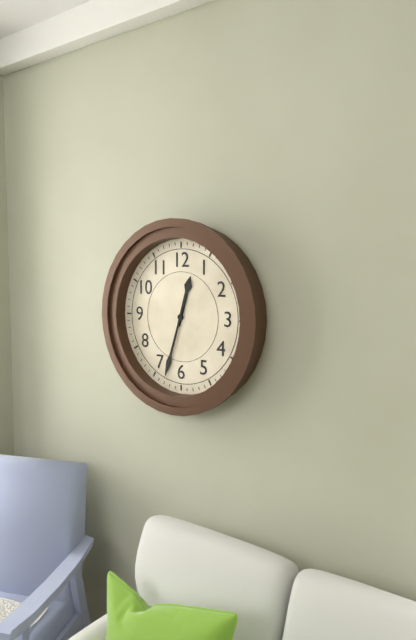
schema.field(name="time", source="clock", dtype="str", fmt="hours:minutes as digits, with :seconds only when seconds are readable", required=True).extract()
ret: 12:33
